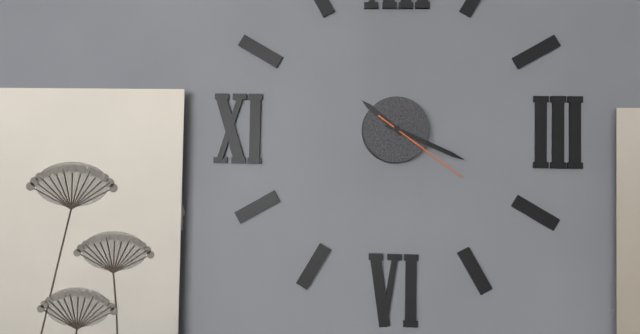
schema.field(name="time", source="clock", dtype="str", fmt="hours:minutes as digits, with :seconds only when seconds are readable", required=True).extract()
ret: 10:19:21
